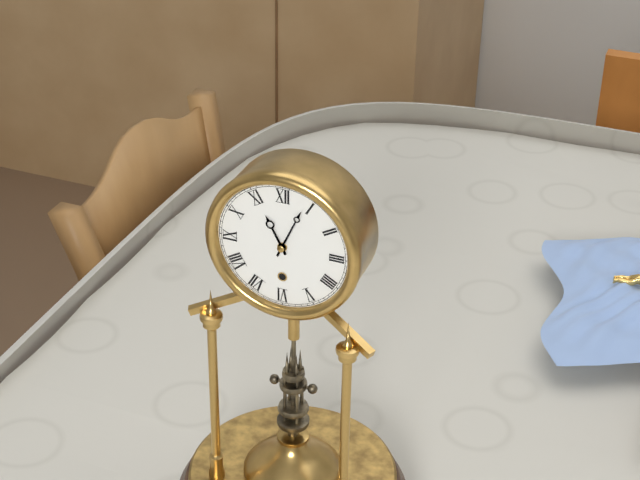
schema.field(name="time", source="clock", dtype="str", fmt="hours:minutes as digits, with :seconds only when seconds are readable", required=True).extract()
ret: 11:04
